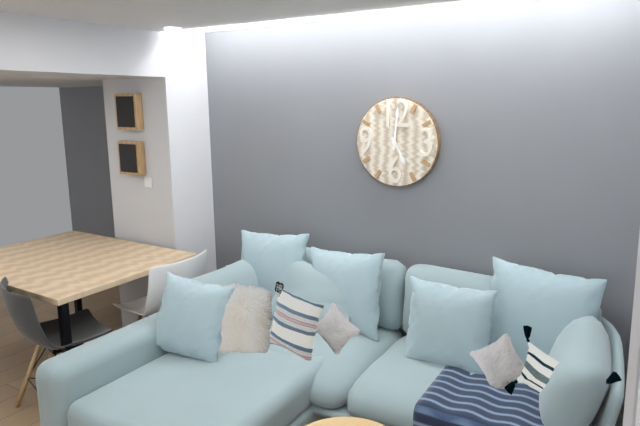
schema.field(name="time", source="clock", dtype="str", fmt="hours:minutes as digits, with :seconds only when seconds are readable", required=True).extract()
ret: 5:01
